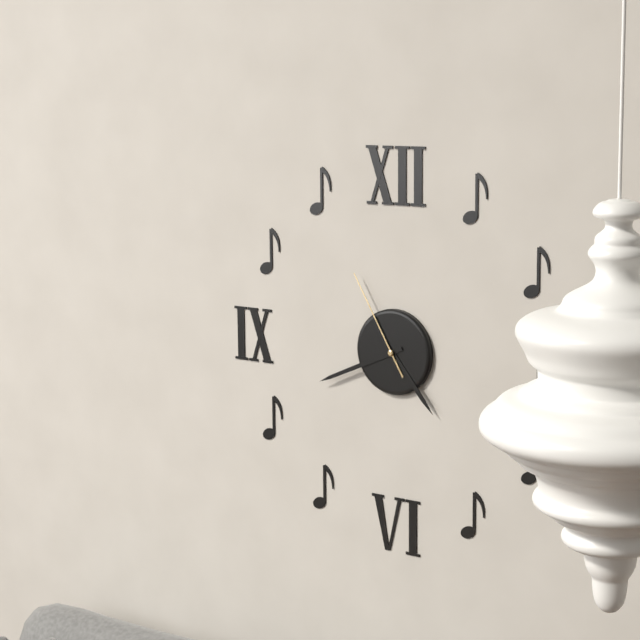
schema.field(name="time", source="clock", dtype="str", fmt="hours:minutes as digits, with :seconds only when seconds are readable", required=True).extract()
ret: 4:41:55
